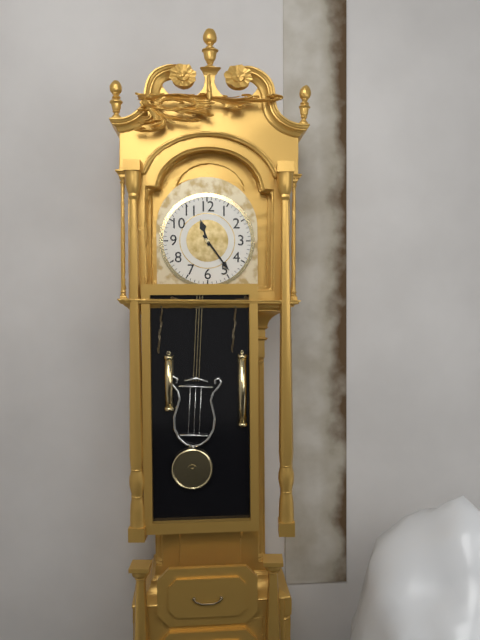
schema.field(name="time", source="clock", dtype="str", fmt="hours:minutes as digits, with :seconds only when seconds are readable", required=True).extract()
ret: 11:24
